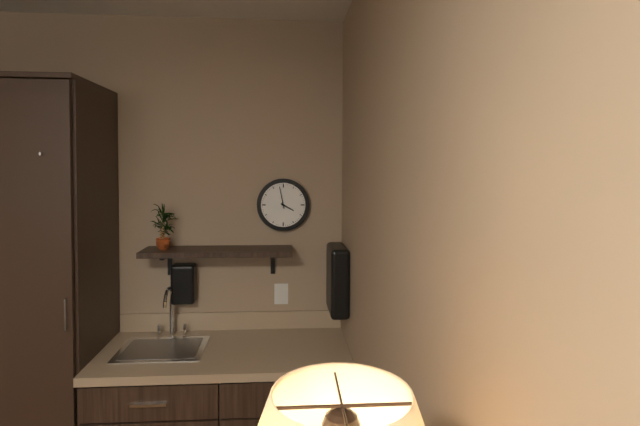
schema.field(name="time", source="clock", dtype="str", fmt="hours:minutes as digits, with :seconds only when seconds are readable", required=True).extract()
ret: 3:58
